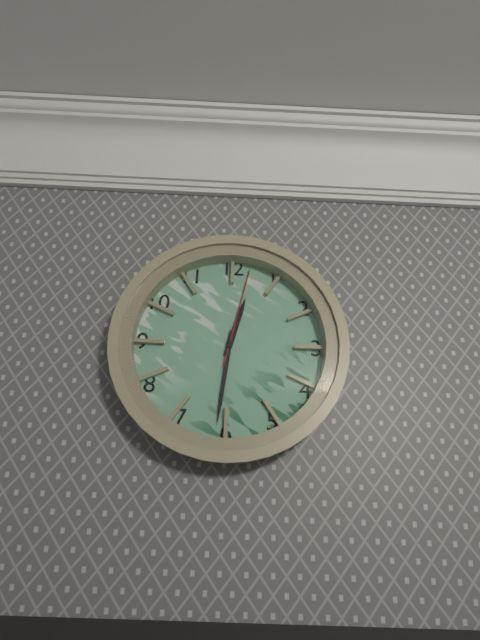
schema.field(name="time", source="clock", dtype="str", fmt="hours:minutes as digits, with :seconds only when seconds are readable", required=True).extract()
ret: 12:31:02
